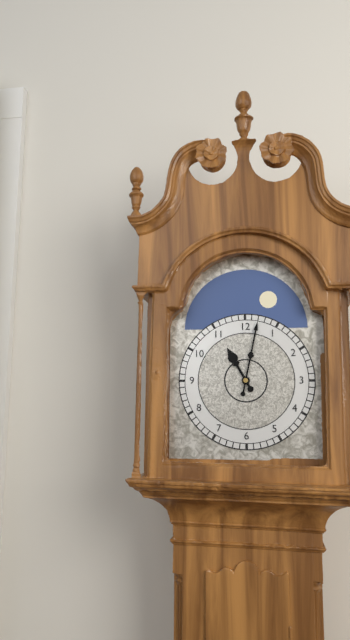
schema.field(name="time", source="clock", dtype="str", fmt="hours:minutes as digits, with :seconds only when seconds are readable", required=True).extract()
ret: 11:02
